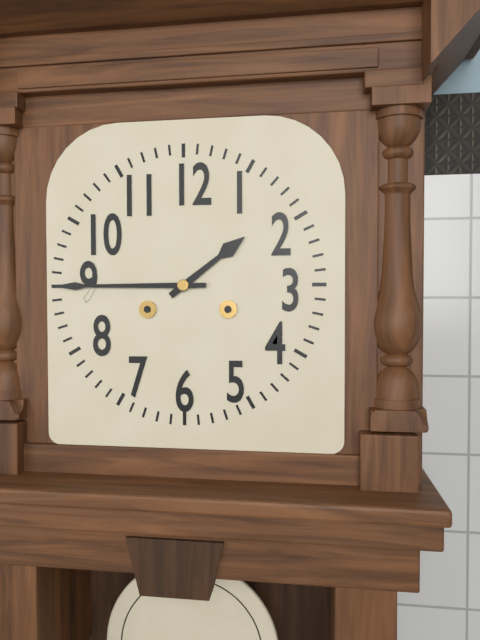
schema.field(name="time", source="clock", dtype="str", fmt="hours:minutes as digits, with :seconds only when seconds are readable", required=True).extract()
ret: 1:45
